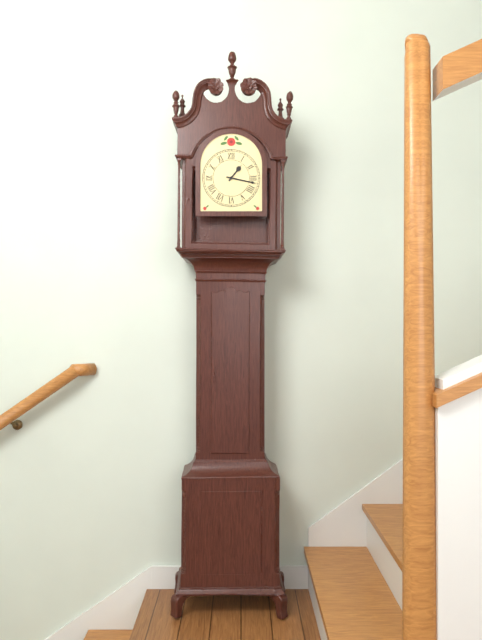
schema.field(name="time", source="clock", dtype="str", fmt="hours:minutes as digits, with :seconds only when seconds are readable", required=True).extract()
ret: 1:17
